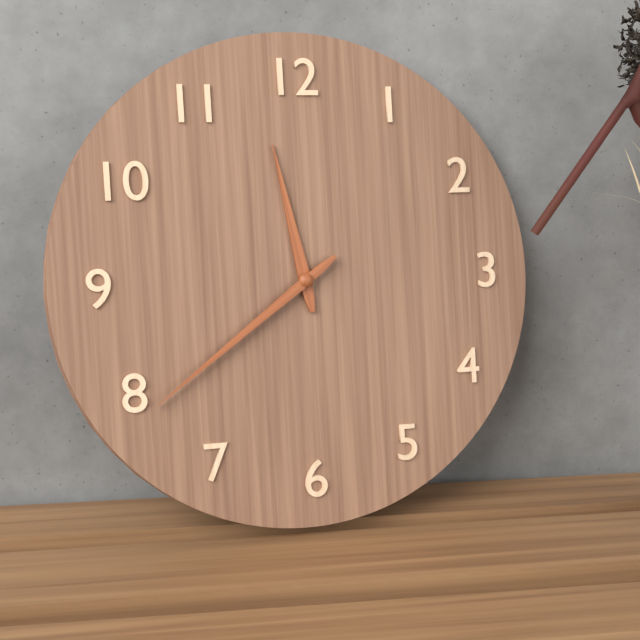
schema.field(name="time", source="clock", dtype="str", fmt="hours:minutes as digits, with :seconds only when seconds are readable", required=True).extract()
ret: 11:39
